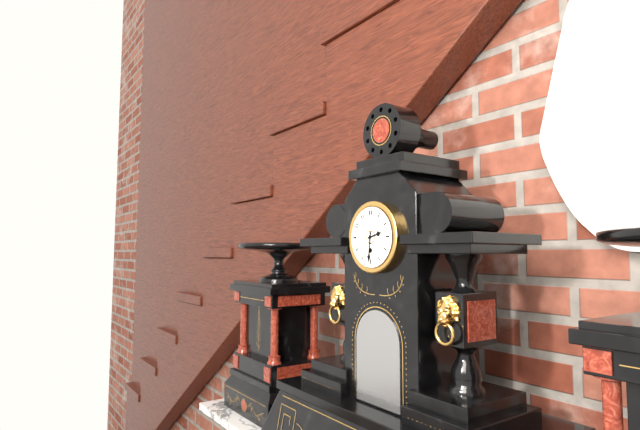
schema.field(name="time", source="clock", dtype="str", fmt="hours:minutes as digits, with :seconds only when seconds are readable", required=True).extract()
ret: 2:31
